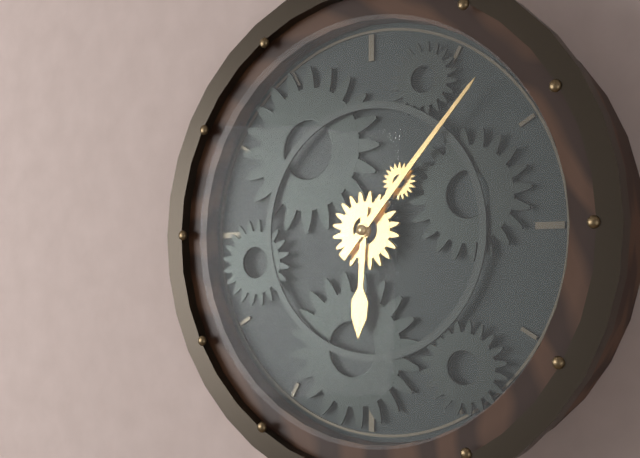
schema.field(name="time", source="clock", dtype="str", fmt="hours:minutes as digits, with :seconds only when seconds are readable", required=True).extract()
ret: 6:07
